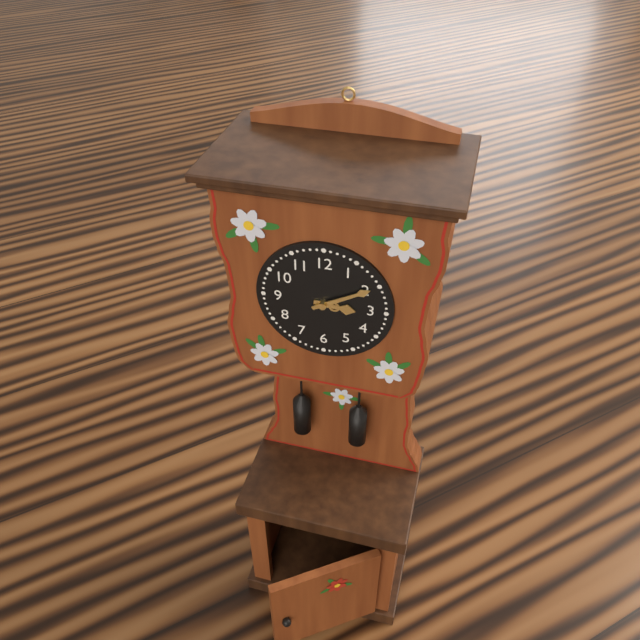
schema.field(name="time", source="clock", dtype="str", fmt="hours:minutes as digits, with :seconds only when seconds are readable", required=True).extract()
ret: 3:10
